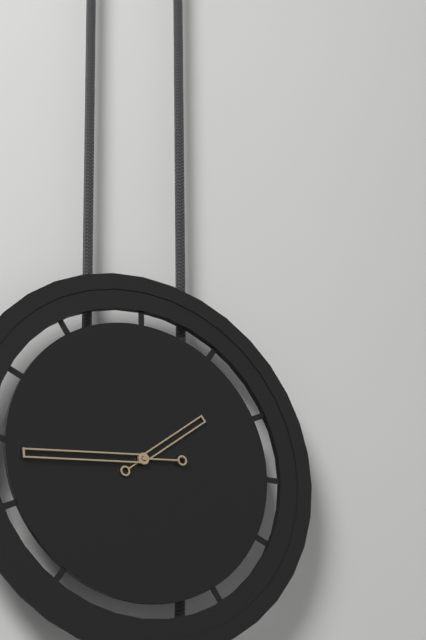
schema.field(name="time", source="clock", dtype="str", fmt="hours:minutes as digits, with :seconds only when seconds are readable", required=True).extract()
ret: 1:44
